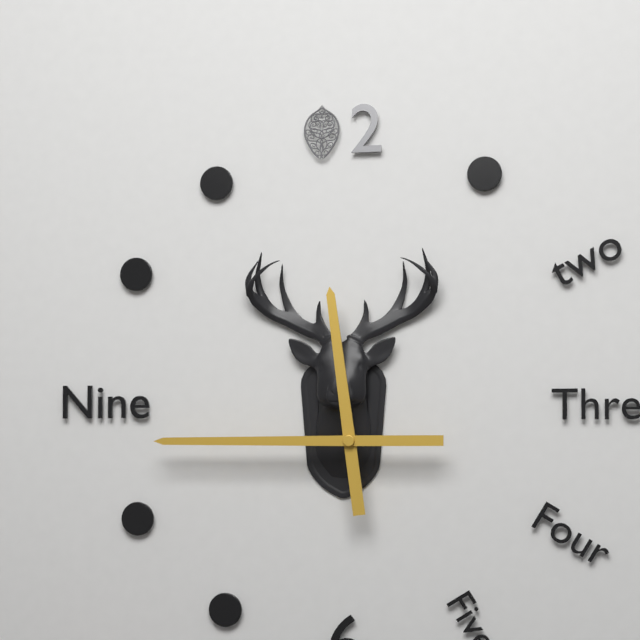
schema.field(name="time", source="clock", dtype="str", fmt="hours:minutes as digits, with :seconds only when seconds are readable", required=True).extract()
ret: 11:45
